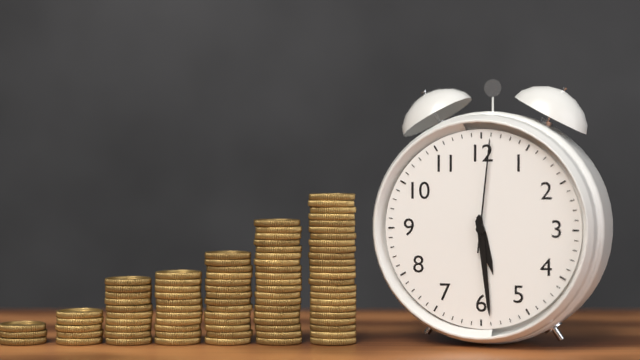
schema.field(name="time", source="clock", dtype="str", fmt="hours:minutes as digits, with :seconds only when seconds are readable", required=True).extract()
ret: 5:29:01
